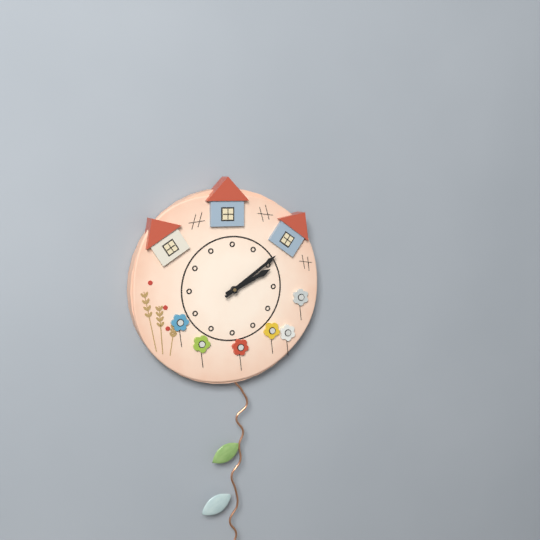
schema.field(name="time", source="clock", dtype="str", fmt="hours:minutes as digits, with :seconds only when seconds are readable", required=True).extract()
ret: 2:09
